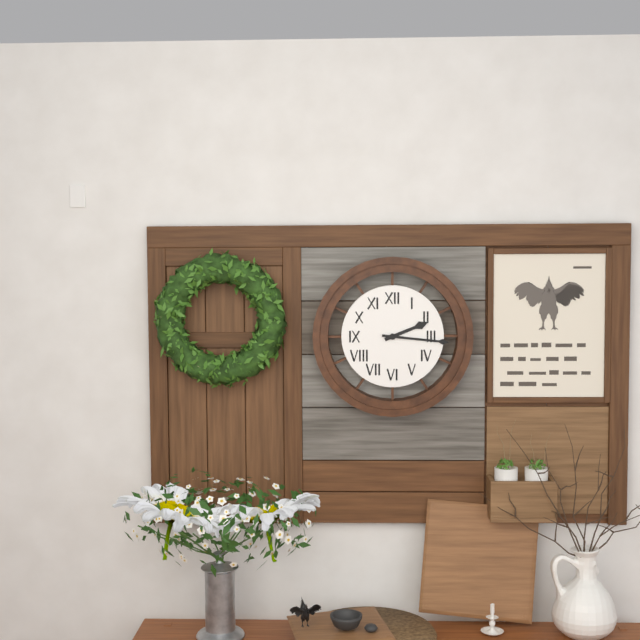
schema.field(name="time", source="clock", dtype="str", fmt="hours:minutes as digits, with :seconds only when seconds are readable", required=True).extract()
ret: 2:16
